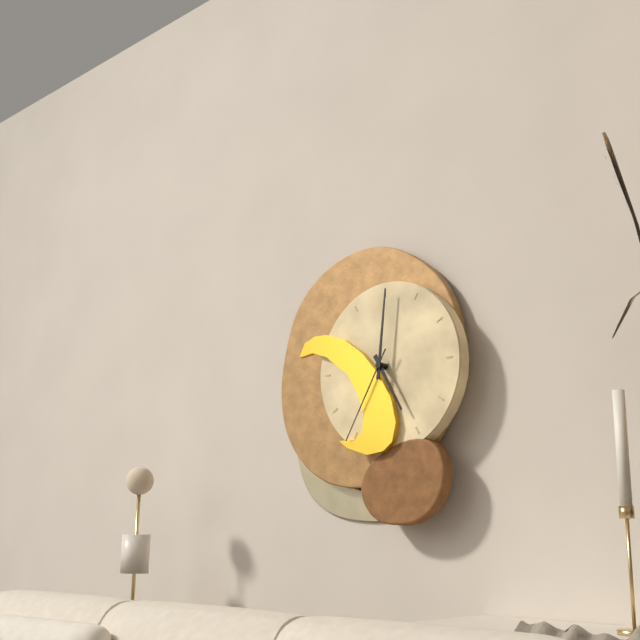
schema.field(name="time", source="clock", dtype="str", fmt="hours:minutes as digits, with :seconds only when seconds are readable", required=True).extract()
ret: 5:01:35
